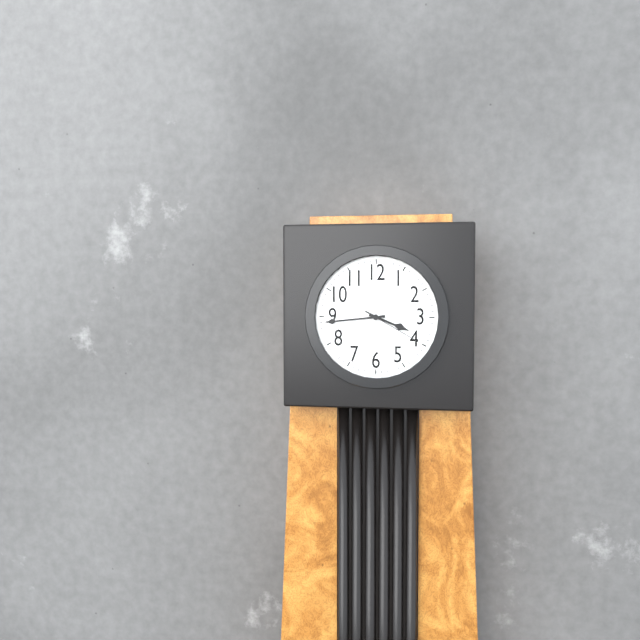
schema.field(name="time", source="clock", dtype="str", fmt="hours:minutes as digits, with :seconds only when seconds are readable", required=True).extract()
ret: 3:44:20
